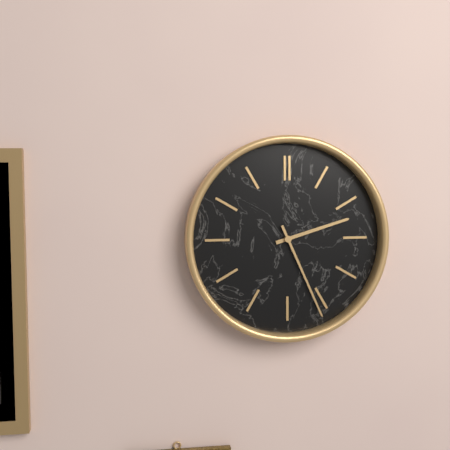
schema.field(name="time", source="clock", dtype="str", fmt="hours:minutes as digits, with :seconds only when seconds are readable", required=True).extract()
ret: 2:26
